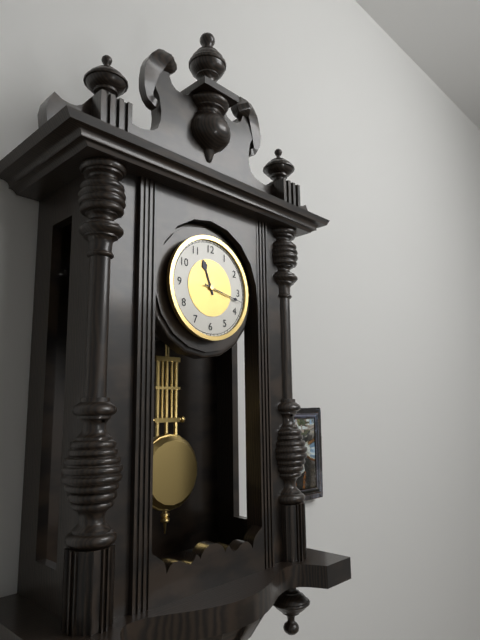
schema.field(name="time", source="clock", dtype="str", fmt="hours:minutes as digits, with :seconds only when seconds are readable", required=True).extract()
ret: 11:17
